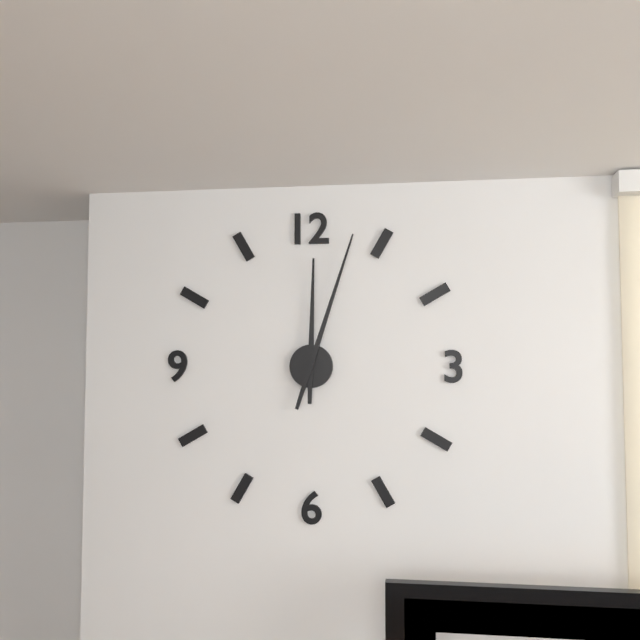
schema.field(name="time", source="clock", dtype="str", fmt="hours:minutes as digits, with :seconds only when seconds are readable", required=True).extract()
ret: 12:03
